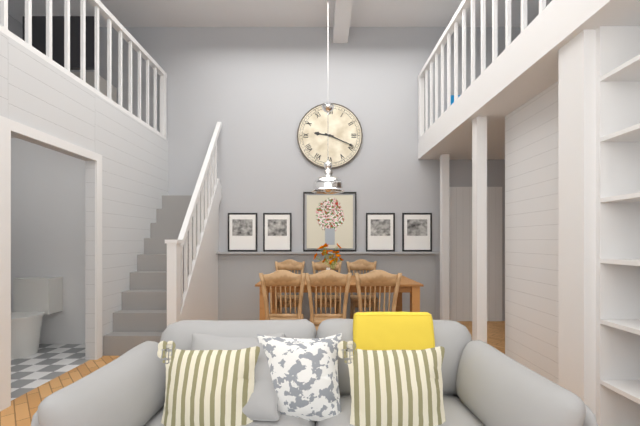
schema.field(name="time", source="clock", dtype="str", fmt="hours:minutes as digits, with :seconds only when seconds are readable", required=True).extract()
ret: 9:19
